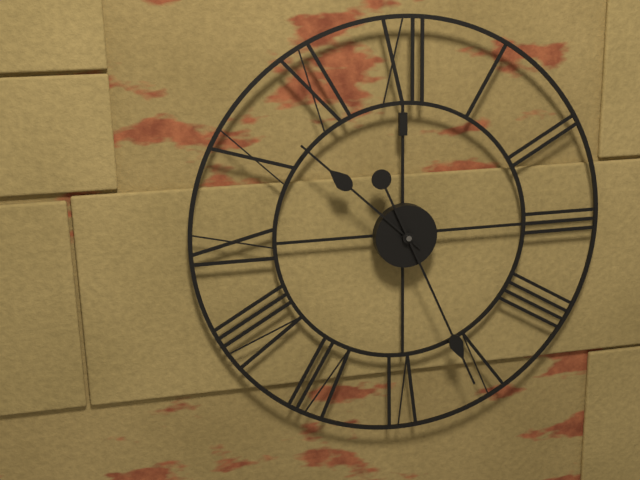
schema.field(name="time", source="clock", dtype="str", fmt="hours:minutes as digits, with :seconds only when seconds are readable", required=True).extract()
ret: 10:26
